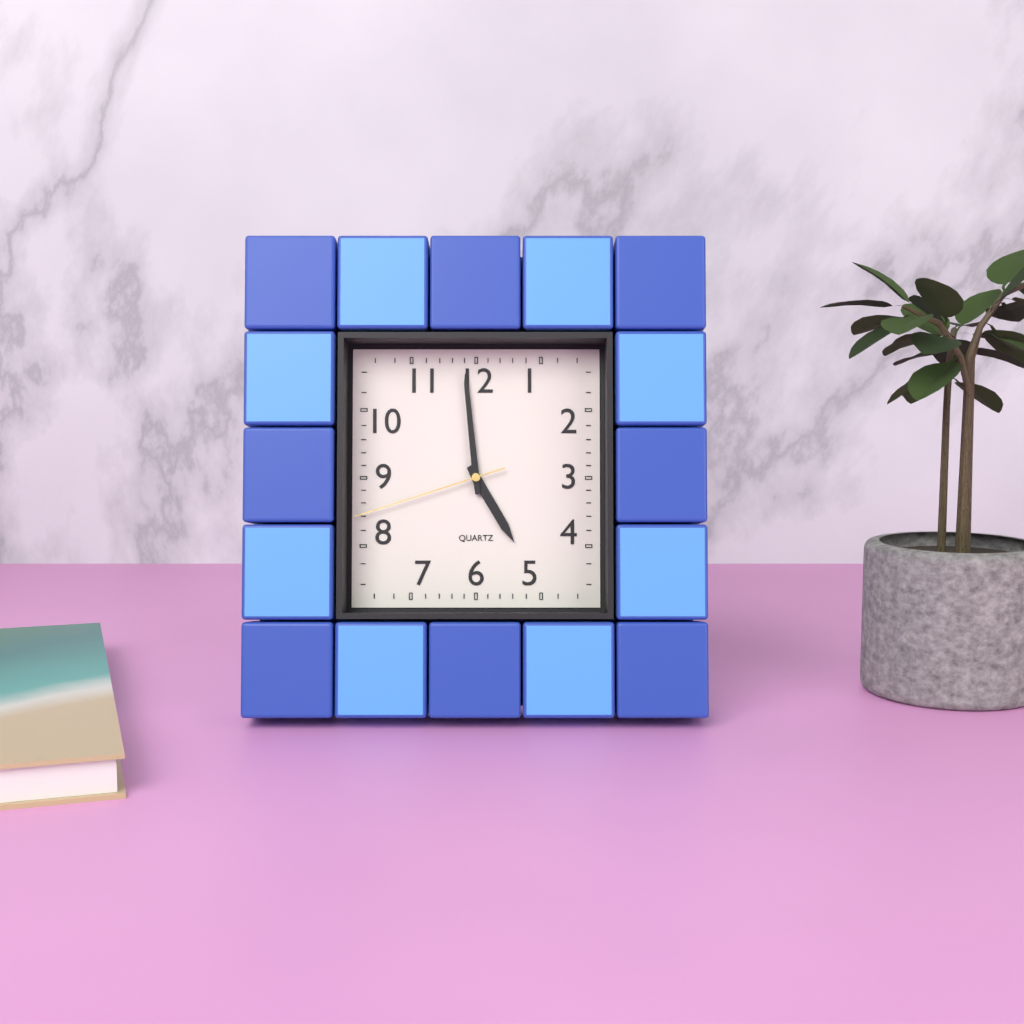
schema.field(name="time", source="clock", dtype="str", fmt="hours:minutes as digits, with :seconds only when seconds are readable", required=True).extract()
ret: 4:59:42
